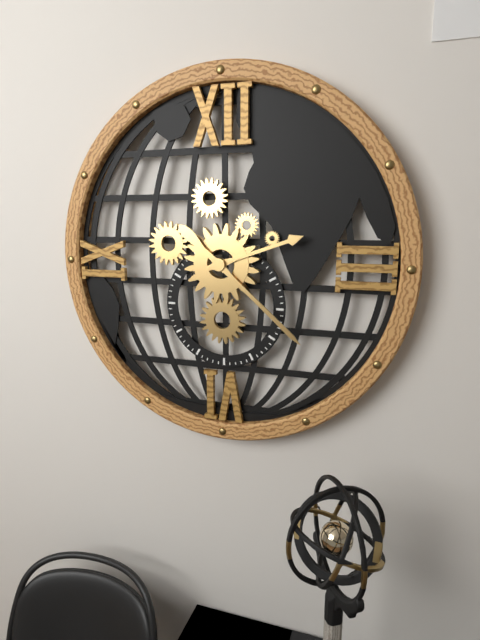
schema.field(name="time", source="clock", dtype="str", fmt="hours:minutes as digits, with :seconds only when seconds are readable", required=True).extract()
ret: 2:22
